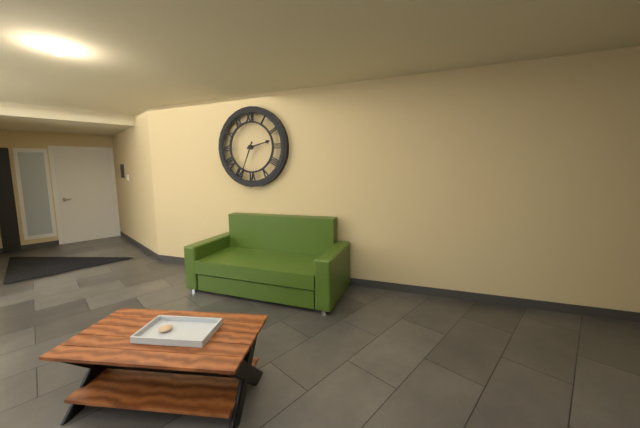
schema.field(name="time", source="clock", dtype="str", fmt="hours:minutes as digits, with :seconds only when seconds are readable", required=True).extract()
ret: 2:34
